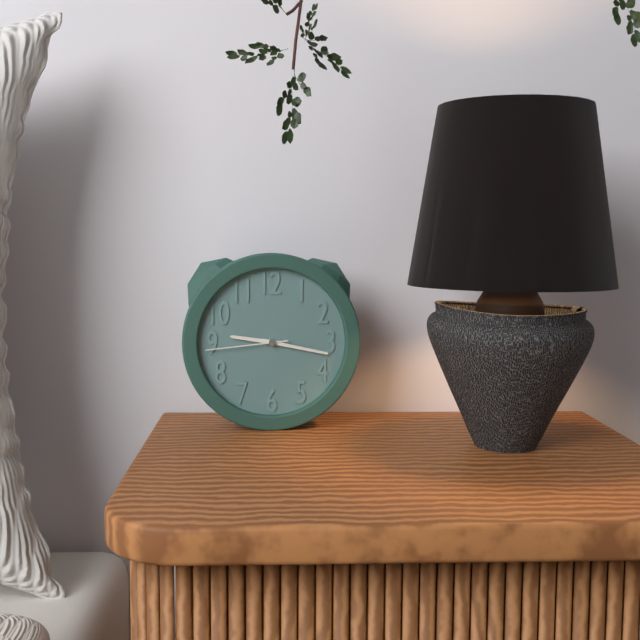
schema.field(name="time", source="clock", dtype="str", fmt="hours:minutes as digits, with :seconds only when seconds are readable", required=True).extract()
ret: 9:17:44
